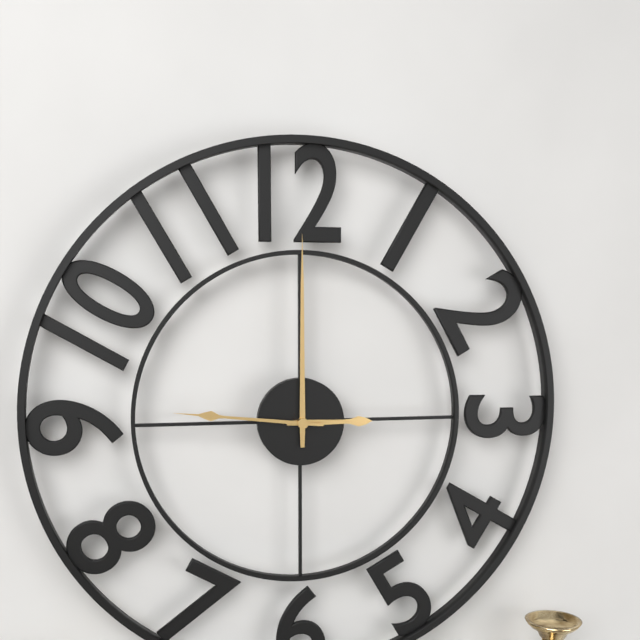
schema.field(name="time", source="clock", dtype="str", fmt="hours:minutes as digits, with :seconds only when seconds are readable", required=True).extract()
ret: 3:00:46
